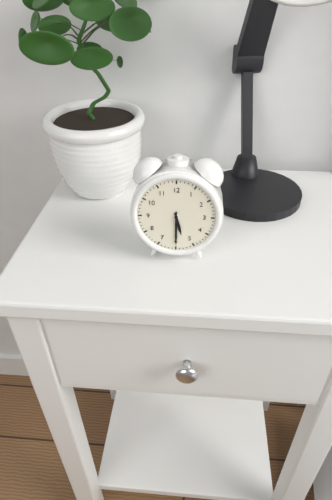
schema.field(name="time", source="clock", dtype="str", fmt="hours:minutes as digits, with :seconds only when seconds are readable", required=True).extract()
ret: 5:30
